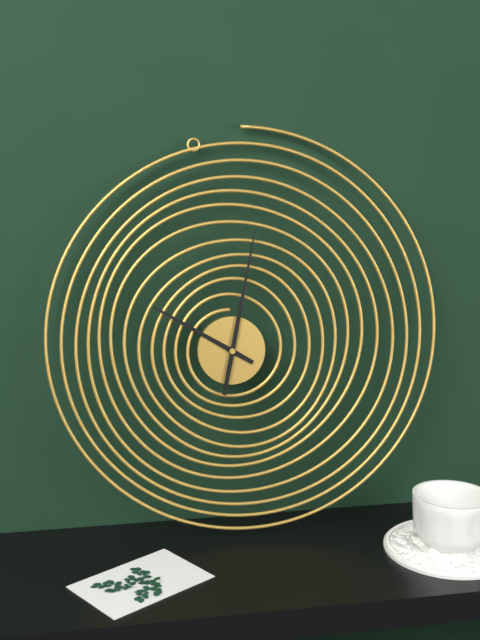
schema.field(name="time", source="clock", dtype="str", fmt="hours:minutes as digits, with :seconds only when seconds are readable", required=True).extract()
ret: 10:02
